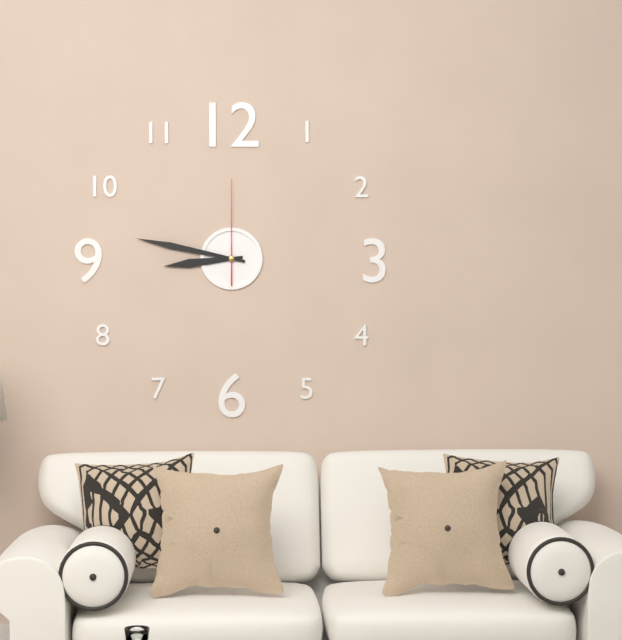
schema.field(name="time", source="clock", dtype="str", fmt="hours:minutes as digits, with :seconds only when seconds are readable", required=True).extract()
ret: 8:47:00
